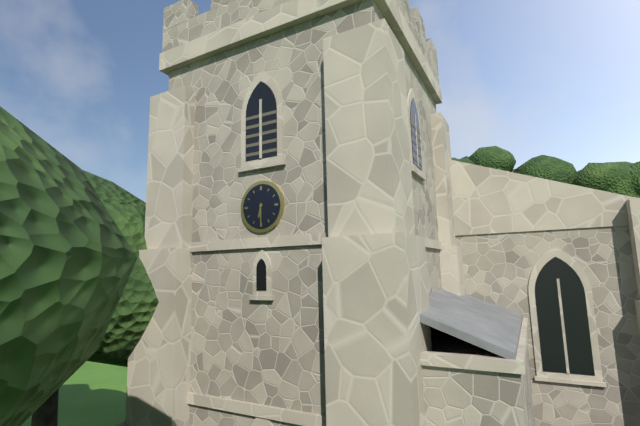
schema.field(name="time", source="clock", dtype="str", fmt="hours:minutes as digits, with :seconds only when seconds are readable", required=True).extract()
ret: 6:30
